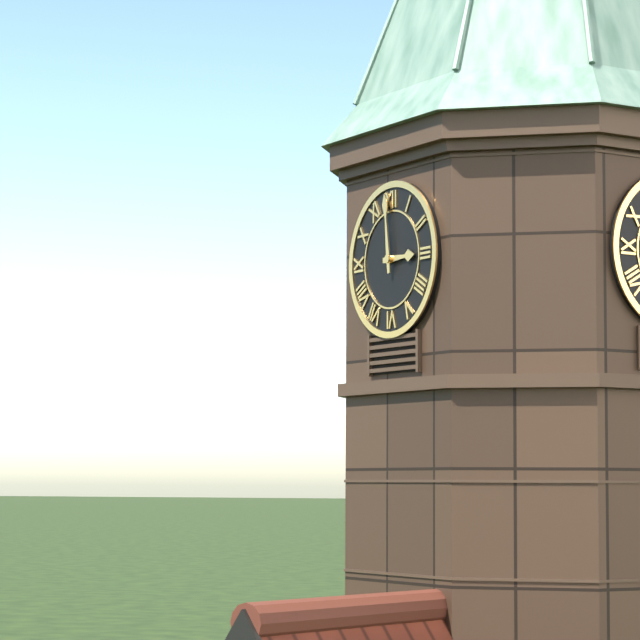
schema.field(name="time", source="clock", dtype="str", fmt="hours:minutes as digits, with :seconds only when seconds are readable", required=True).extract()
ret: 2:59
